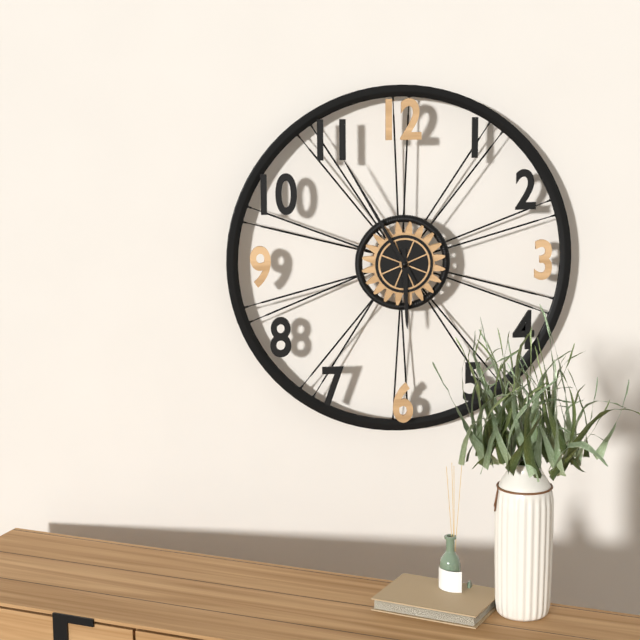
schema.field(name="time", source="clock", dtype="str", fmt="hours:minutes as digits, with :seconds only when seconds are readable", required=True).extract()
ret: 5:55
